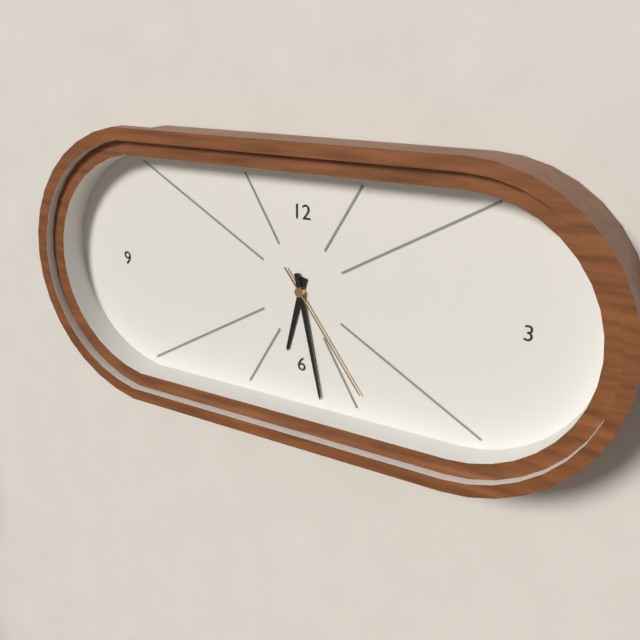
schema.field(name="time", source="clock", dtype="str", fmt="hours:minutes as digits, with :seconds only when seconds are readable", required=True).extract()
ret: 6:28:24
